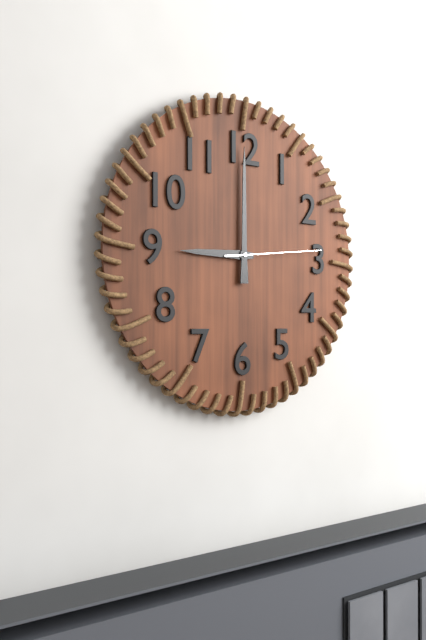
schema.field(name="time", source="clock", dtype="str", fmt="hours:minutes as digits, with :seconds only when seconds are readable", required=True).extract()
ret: 9:00:14
